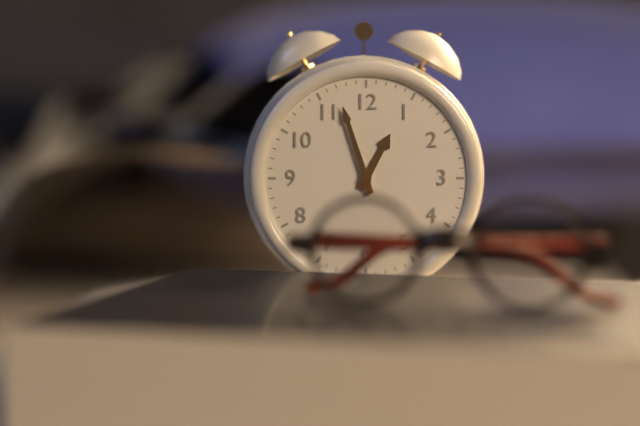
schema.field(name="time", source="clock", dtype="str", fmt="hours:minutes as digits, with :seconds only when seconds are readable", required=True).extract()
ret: 12:57
